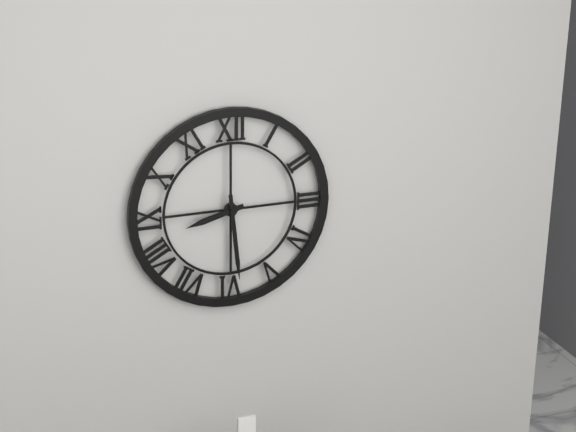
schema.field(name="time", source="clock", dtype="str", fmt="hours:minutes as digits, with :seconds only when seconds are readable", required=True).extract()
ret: 8:29
